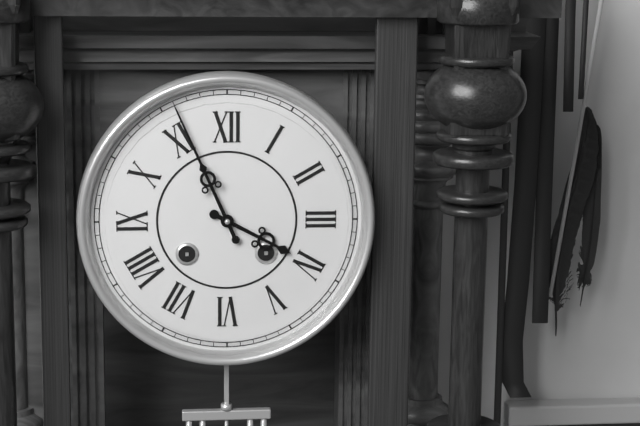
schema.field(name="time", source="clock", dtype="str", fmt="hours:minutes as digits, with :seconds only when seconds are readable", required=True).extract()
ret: 3:56
